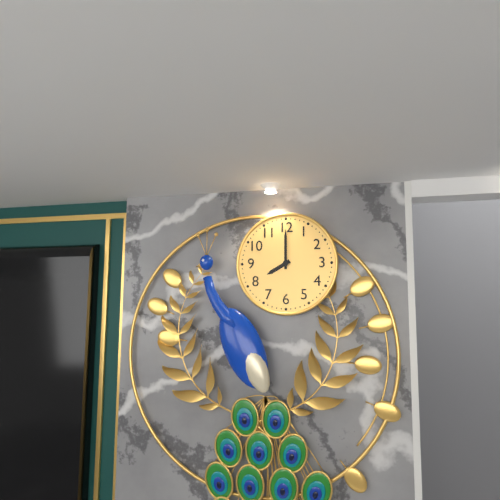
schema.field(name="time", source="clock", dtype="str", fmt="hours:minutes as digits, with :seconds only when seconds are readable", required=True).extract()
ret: 8:00
